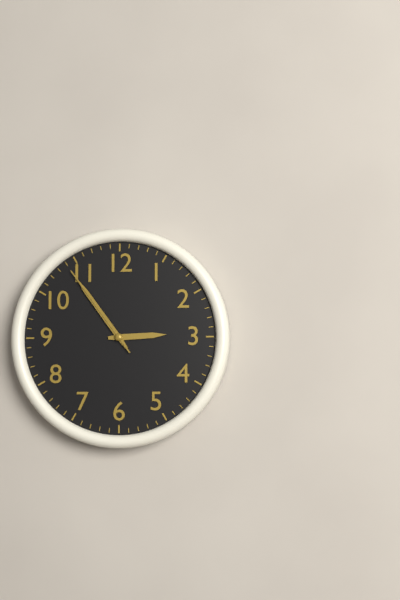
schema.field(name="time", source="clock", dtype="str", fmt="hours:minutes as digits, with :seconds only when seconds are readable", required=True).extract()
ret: 2:54:54
